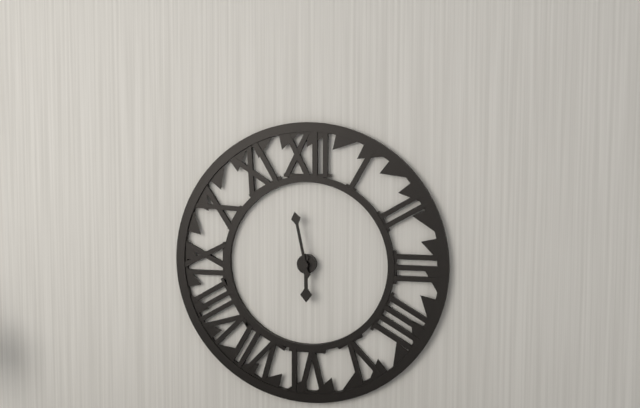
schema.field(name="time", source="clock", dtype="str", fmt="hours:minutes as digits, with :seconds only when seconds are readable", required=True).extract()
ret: 5:58
